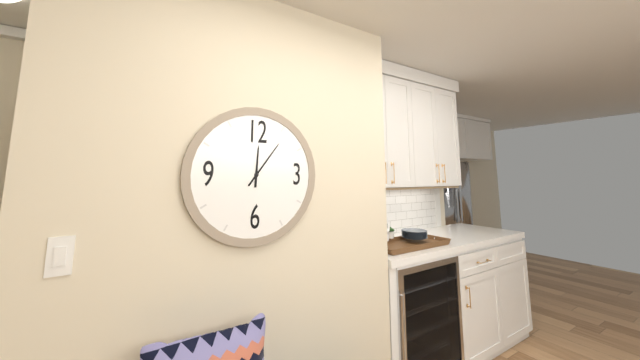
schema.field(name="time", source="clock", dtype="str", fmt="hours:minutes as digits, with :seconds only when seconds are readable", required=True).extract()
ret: 12:06
